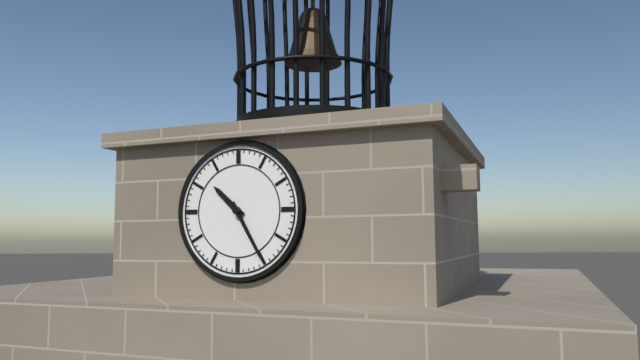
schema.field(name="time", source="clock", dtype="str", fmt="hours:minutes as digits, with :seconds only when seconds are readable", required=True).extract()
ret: 10:25
